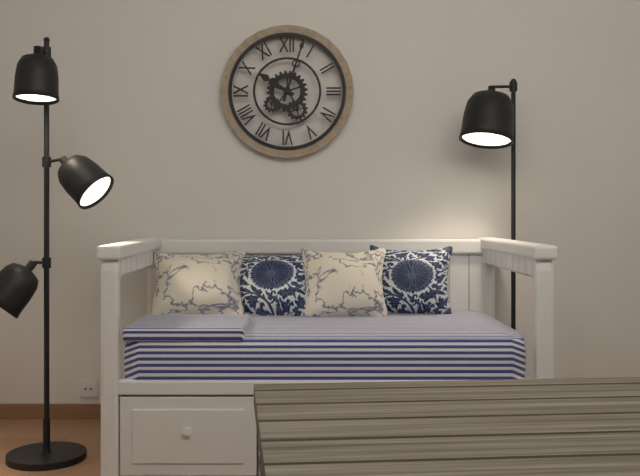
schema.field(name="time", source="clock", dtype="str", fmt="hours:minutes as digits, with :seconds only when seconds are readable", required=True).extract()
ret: 10:03
